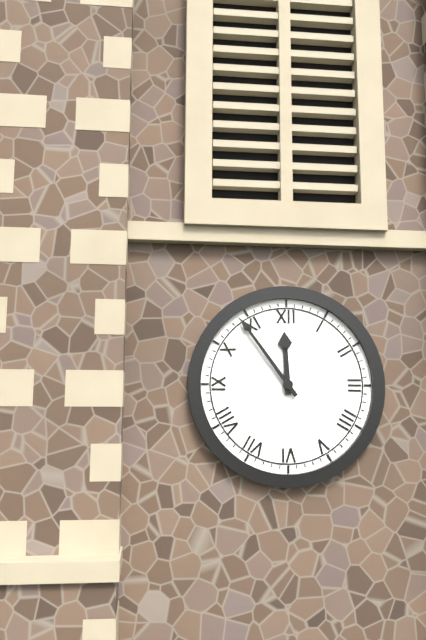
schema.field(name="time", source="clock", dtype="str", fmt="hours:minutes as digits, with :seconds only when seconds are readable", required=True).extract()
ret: 11:54
